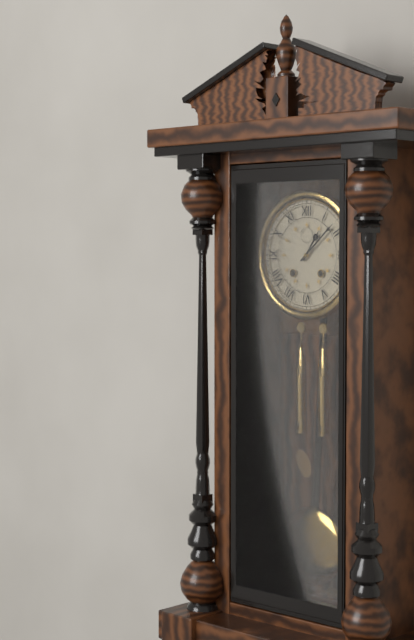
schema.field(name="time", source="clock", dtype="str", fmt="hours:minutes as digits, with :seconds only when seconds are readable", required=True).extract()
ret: 1:08
